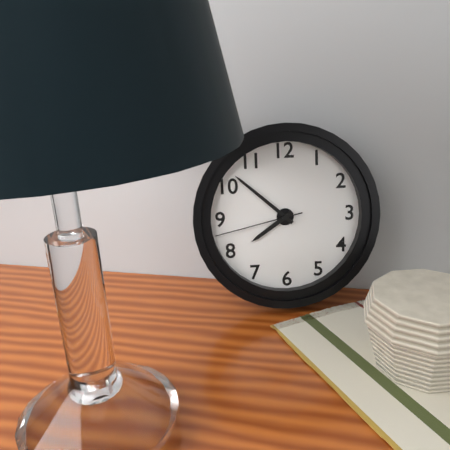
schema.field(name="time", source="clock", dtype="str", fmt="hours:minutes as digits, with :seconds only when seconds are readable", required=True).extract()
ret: 7:52:43
